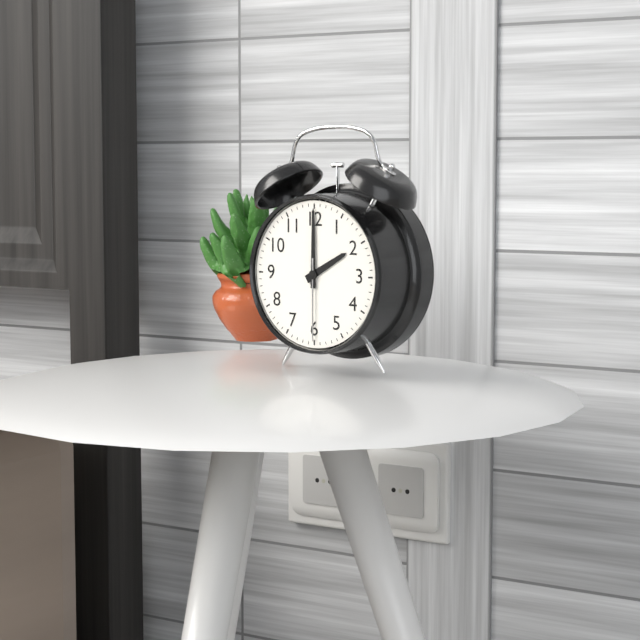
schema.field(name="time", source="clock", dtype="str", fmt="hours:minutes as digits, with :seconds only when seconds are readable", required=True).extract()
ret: 2:00:30
